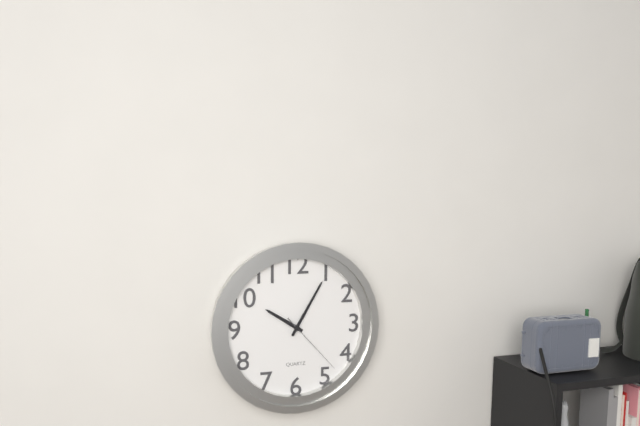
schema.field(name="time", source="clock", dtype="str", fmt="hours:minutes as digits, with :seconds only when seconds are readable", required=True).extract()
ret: 10:05:23
